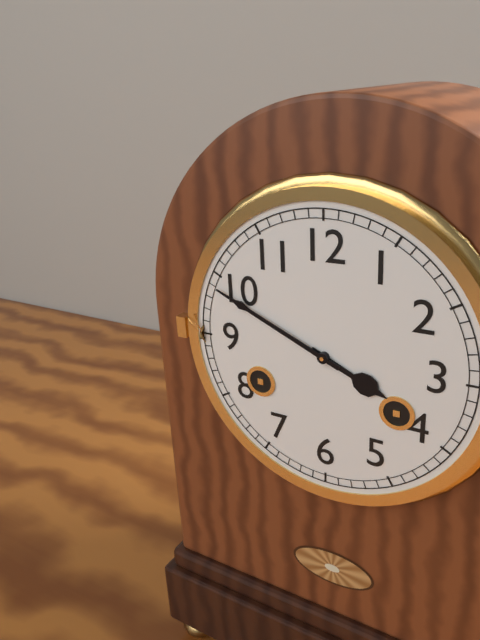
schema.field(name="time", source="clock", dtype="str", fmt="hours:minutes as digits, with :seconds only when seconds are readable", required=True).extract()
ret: 3:49
